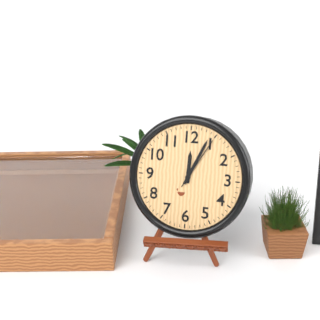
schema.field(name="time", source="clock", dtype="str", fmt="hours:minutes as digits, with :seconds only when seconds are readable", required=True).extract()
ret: 12:04:05
